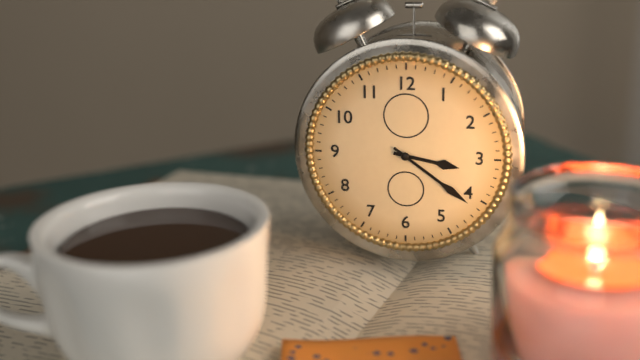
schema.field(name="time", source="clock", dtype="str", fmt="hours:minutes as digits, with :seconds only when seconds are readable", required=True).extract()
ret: 3:21
